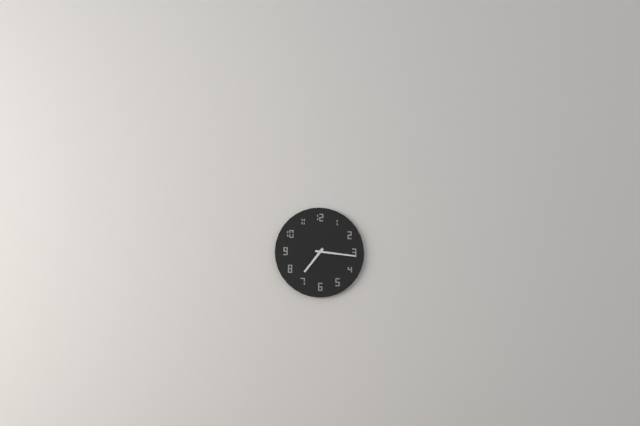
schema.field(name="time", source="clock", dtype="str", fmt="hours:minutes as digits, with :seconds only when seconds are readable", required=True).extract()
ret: 7:16
